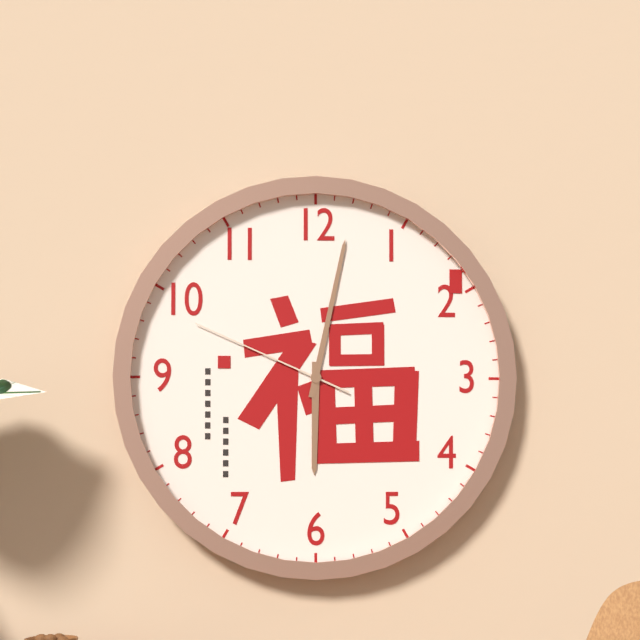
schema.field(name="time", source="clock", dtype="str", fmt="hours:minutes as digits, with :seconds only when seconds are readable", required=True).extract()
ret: 6:02:49
